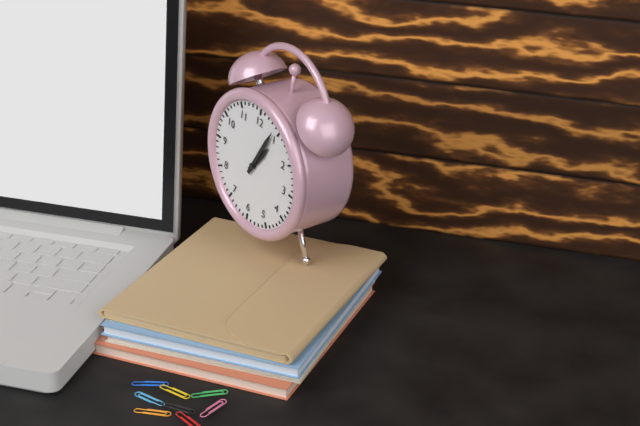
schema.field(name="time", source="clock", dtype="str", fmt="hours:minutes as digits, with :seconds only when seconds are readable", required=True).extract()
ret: 1:04
